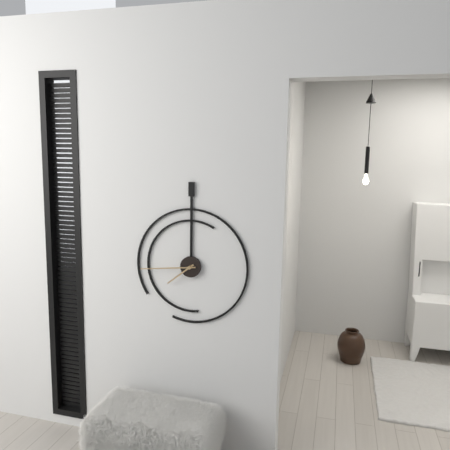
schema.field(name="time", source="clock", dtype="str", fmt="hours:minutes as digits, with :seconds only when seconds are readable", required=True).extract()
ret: 7:44
